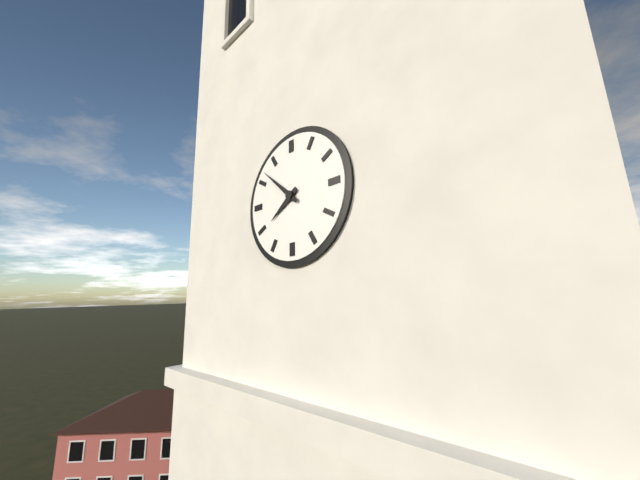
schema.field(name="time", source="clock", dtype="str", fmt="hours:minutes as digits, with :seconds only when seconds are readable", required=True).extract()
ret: 7:52
